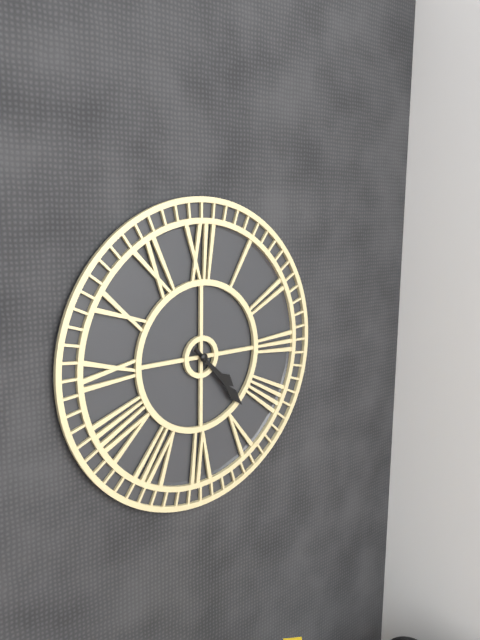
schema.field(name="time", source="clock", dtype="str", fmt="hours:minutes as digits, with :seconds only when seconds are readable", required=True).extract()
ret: 4:23
